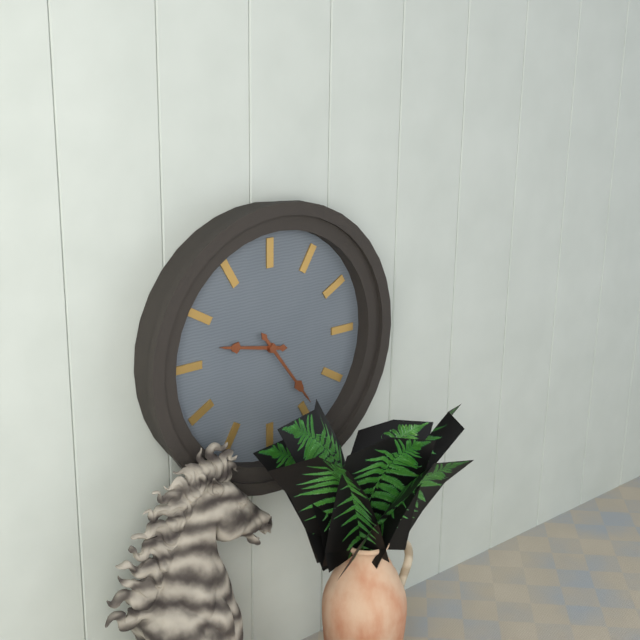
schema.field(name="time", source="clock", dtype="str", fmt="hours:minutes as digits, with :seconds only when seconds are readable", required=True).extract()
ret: 9:24
